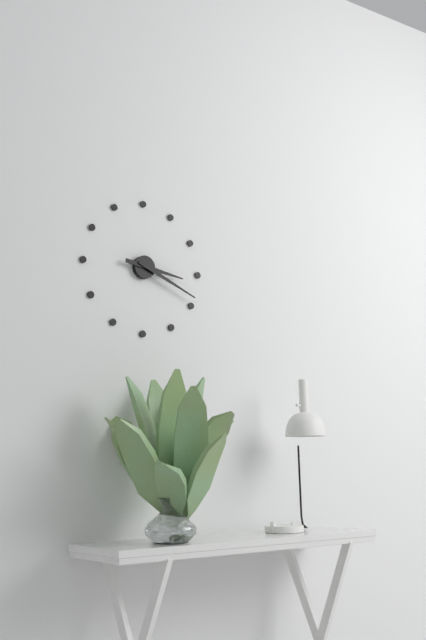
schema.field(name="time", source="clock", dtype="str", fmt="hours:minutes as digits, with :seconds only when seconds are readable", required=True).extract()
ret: 3:19
